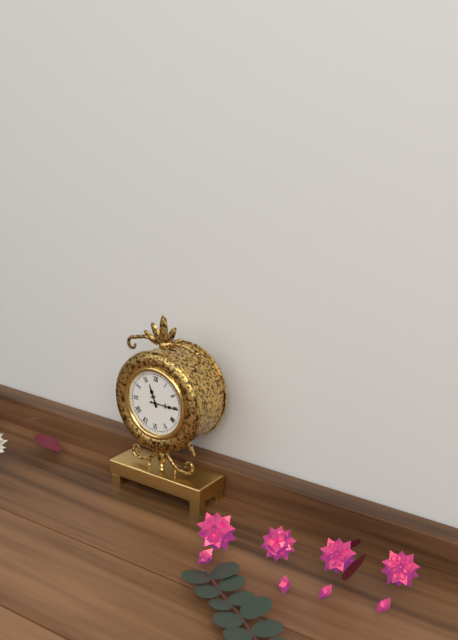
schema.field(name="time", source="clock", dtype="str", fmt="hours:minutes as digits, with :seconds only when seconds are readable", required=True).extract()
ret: 11:15
